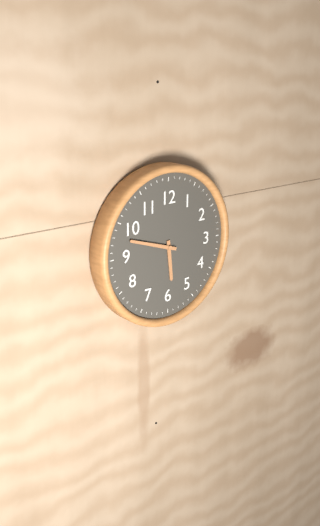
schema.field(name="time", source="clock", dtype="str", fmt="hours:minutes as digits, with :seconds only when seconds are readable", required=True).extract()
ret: 5:48
